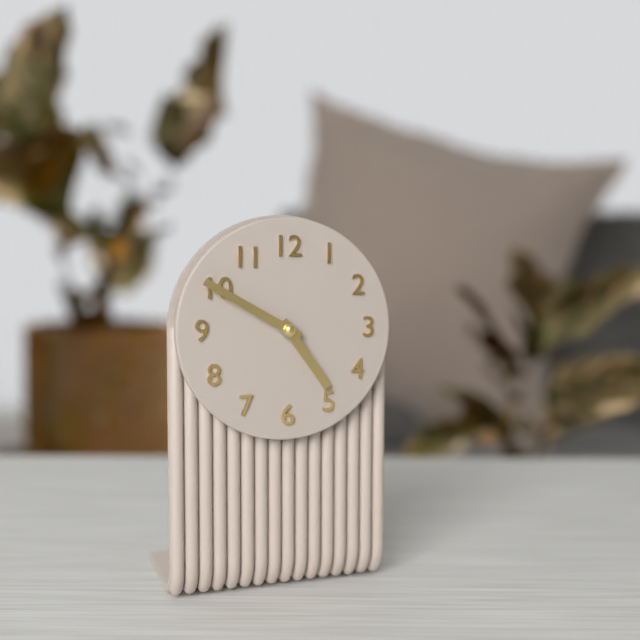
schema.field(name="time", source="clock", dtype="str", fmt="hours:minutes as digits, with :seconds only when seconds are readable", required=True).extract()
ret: 4:50
